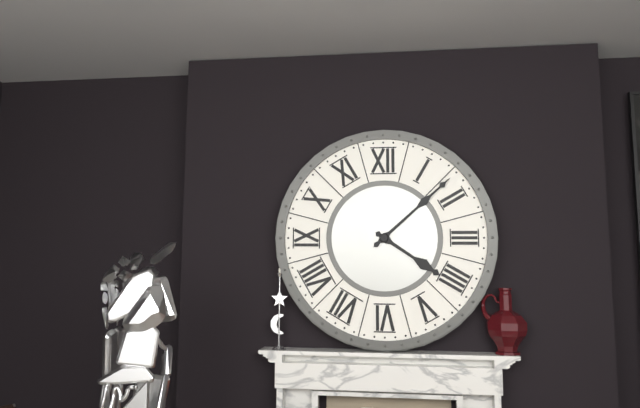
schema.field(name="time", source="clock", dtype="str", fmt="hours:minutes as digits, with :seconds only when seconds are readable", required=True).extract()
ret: 4:08
